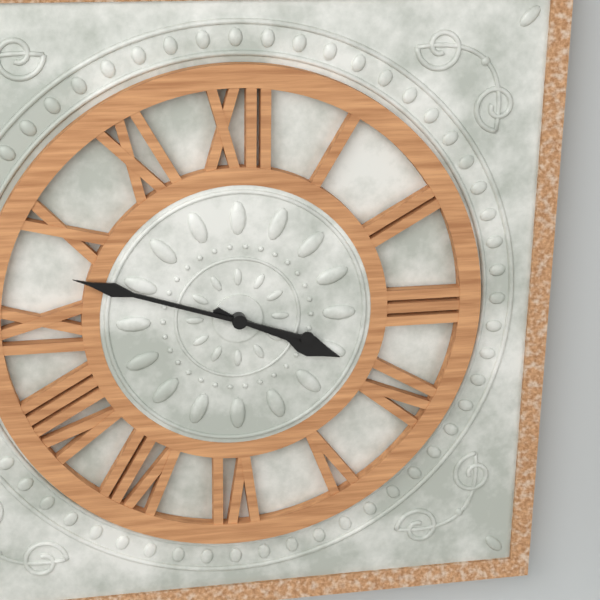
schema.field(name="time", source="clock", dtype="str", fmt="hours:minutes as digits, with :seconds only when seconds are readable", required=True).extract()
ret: 3:48
